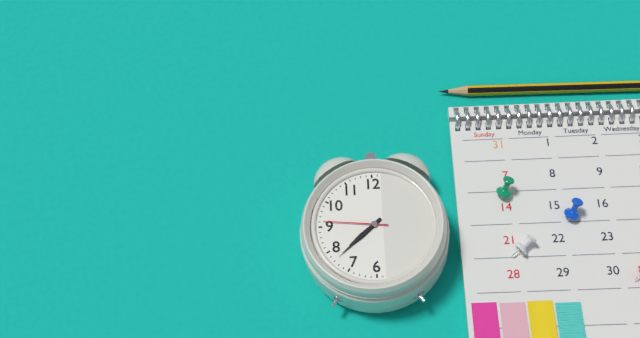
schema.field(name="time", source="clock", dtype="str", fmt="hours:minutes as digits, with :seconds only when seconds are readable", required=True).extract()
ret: 7:38:46
